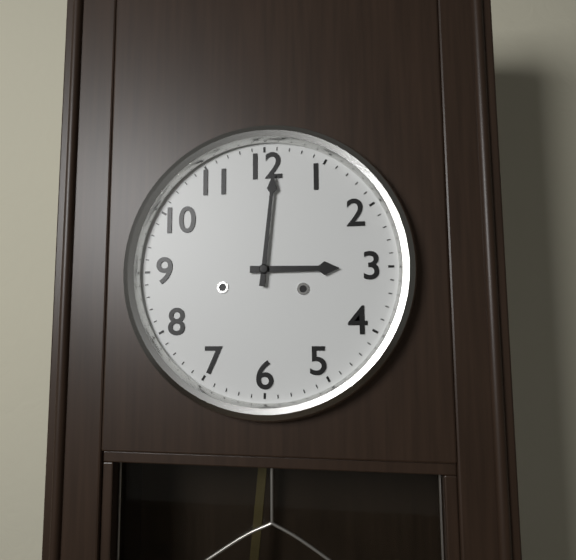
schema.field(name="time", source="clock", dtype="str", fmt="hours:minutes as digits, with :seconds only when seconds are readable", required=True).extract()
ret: 3:01
